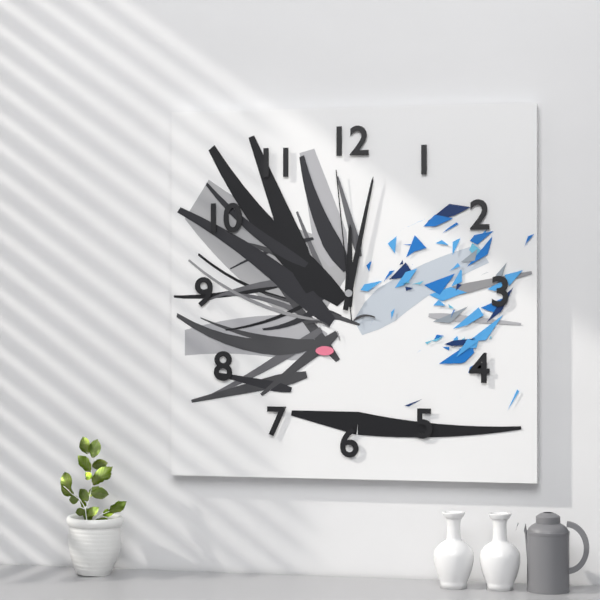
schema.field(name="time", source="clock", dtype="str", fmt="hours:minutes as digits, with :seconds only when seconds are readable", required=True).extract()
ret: 12:02:59
